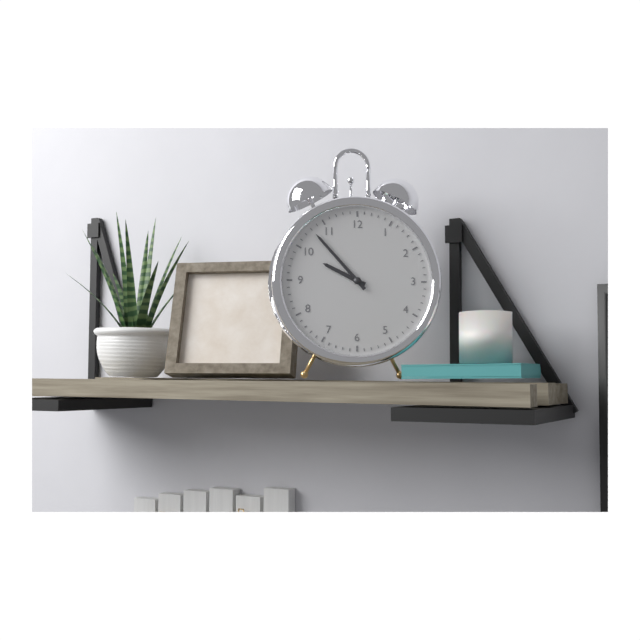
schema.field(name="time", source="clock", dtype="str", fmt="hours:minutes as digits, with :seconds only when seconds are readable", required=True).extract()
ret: 9:53
